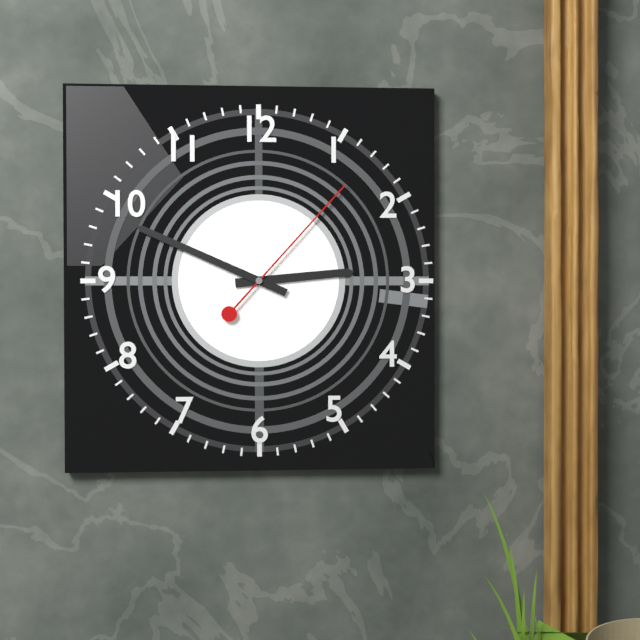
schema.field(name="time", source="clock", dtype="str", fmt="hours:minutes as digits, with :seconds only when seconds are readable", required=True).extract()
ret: 2:49:07
